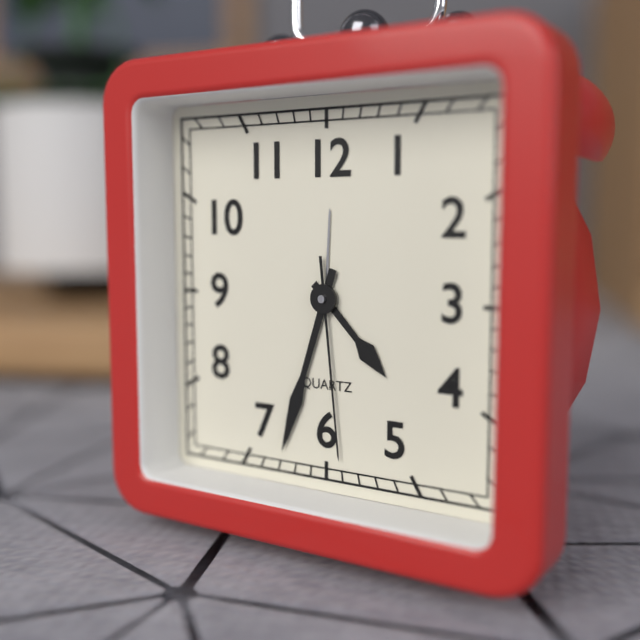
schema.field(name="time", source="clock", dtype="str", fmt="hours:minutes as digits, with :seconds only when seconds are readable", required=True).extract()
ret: 4:33:29
